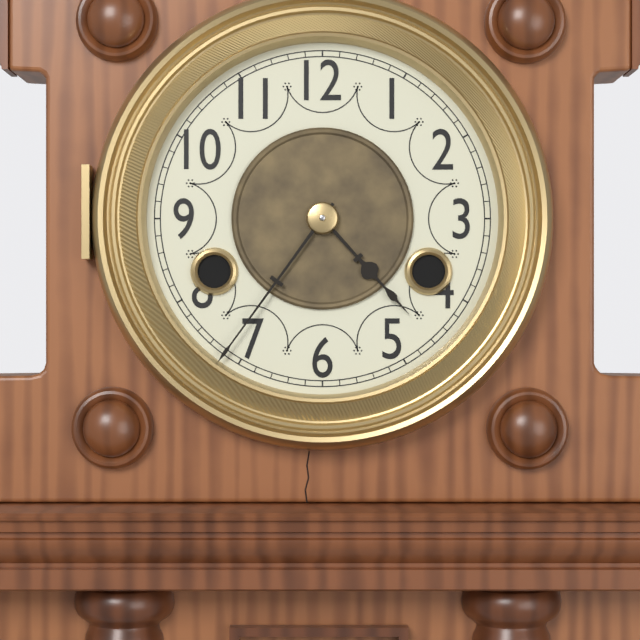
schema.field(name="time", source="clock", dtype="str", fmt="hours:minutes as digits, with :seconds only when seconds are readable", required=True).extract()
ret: 4:36
